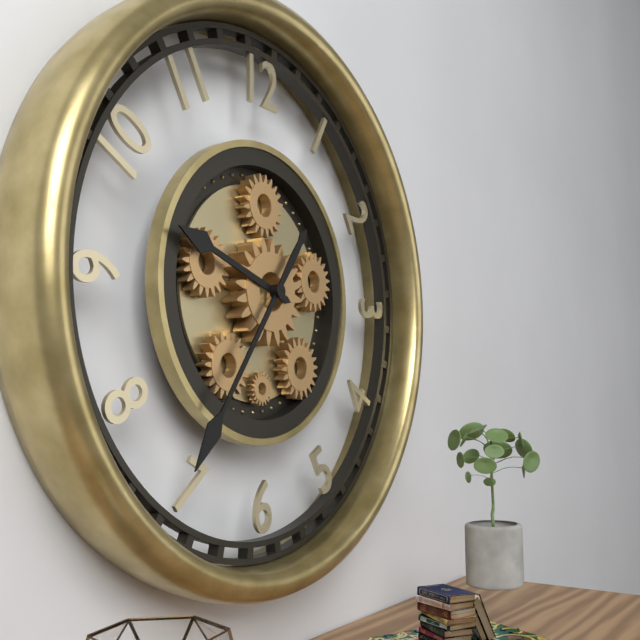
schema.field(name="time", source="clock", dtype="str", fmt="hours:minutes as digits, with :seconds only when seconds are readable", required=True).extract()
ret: 9:36
